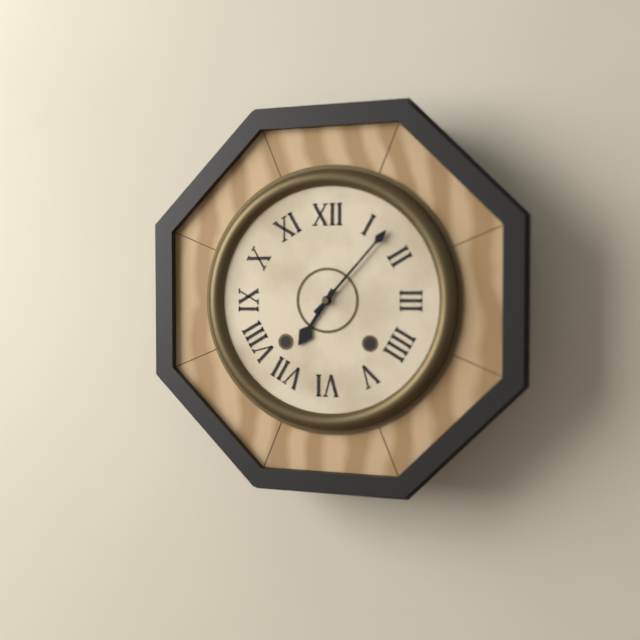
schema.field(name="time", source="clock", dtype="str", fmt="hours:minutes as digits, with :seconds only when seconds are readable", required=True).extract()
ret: 7:07
